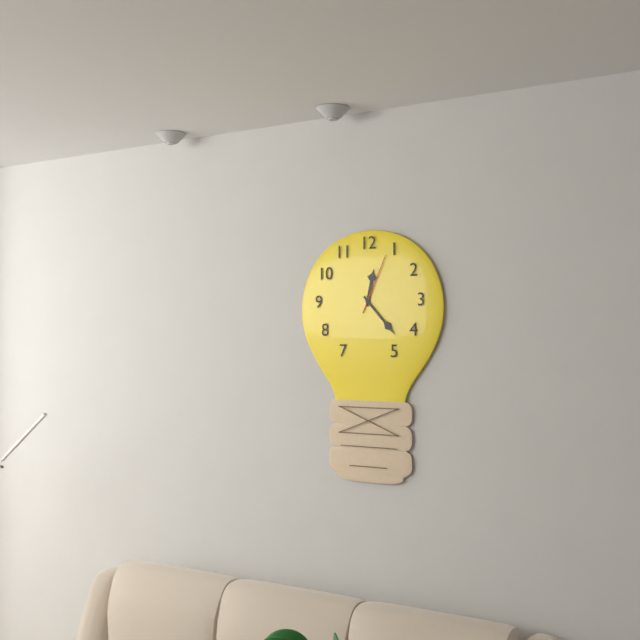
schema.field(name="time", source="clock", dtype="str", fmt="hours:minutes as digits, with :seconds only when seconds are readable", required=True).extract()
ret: 12:23:04
